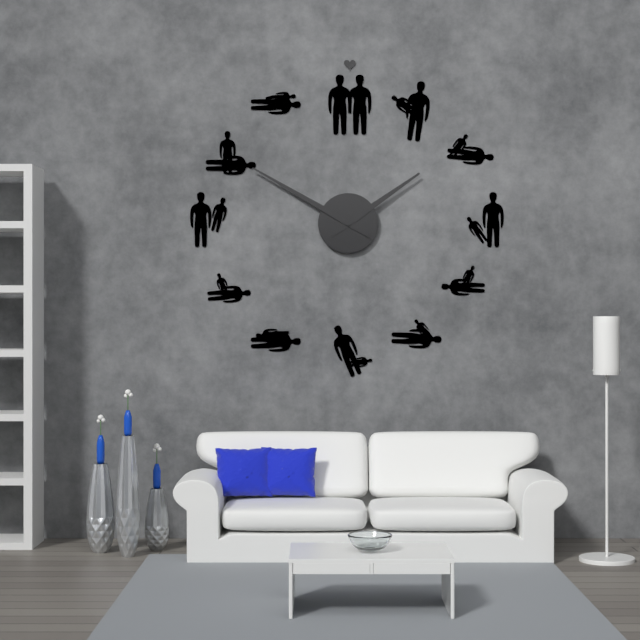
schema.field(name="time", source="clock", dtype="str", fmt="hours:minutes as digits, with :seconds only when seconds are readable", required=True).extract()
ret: 1:50
